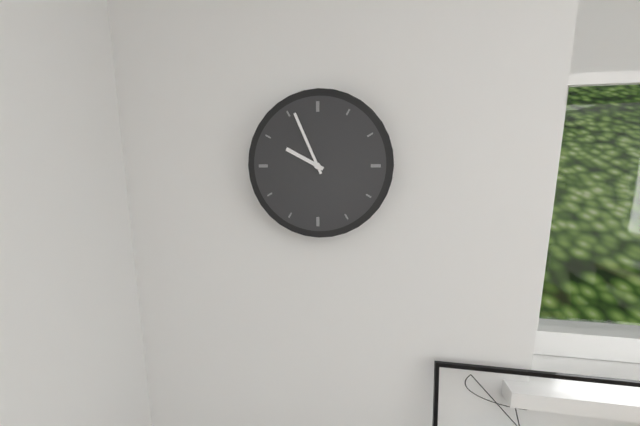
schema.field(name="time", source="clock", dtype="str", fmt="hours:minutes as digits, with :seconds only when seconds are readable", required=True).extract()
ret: 9:56
